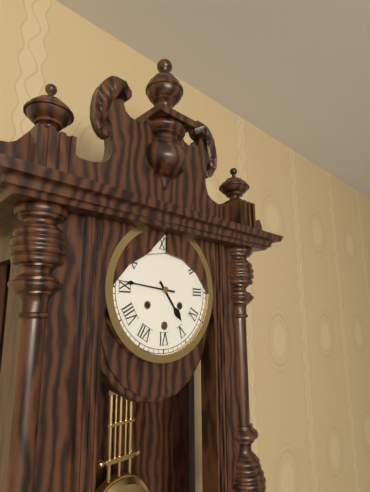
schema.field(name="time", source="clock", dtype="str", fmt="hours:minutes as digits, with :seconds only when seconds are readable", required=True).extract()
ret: 4:46
